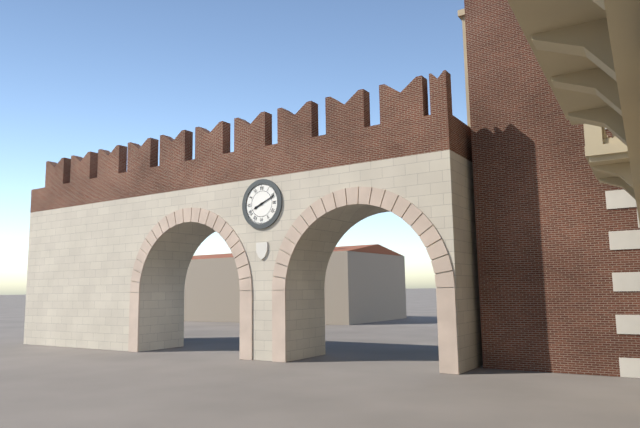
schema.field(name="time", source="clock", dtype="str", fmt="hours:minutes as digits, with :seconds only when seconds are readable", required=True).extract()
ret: 8:11
